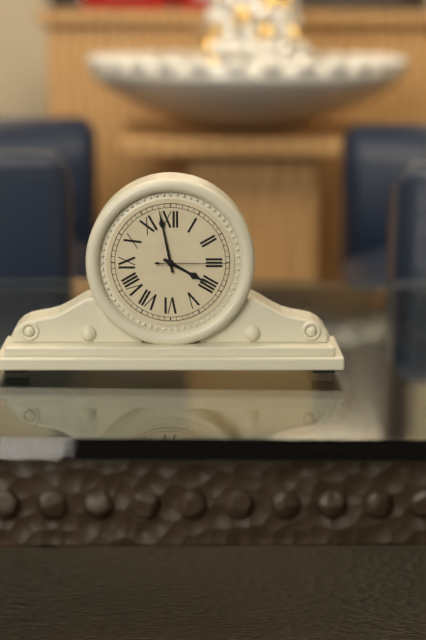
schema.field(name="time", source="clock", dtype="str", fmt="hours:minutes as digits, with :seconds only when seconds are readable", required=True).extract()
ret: 3:58:15
